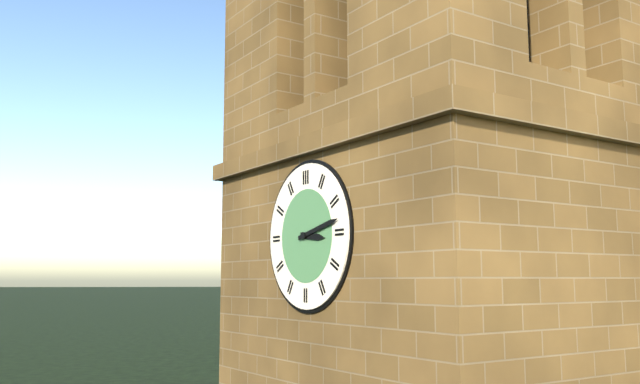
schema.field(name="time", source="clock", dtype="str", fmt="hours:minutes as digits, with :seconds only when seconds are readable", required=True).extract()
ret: 3:13
